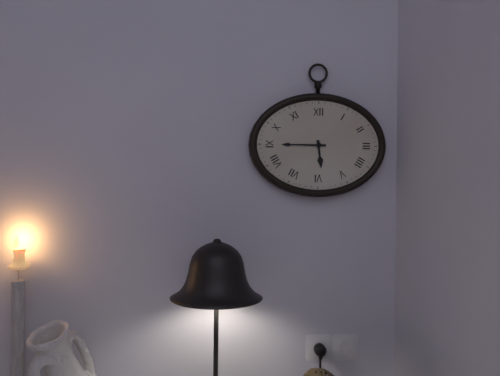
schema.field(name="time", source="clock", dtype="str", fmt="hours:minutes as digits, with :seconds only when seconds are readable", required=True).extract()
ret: 5:45
